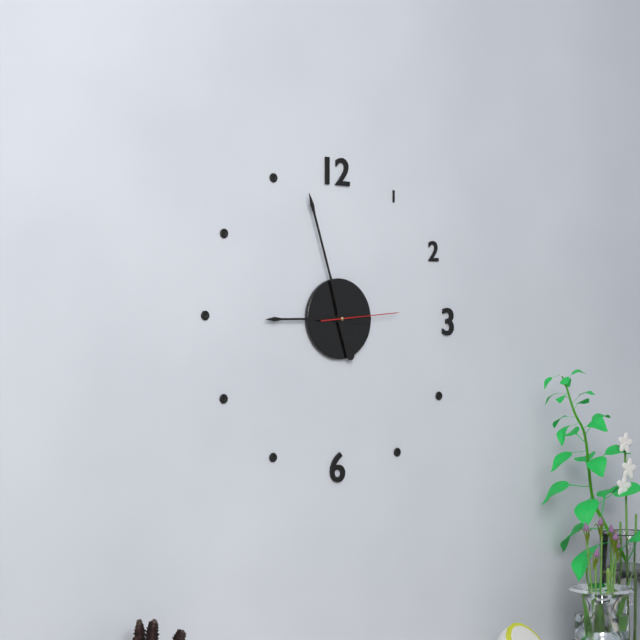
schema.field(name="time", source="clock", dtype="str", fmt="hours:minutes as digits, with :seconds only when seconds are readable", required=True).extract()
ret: 8:57:14
